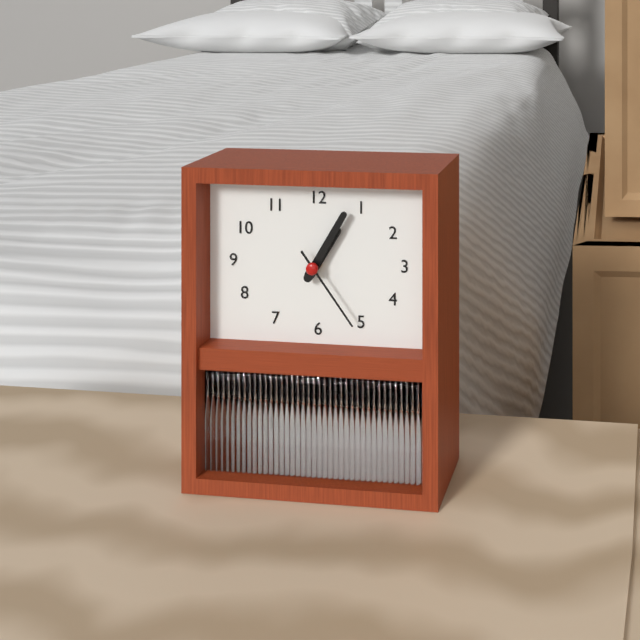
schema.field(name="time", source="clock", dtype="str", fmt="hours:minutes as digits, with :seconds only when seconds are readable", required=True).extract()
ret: 1:05:24
